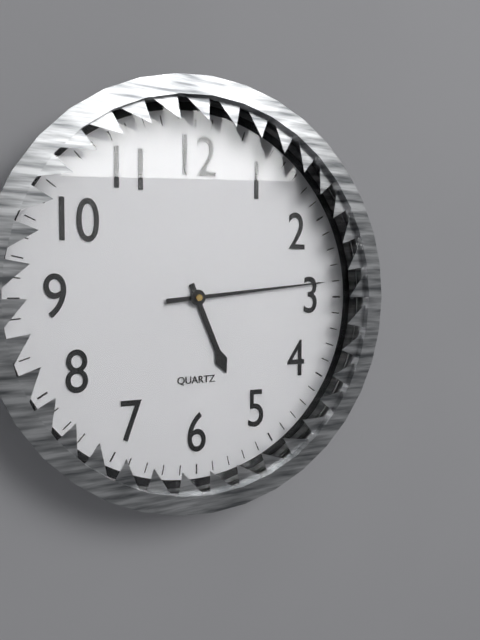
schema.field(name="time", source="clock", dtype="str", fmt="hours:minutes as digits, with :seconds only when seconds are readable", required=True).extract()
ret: 5:14
